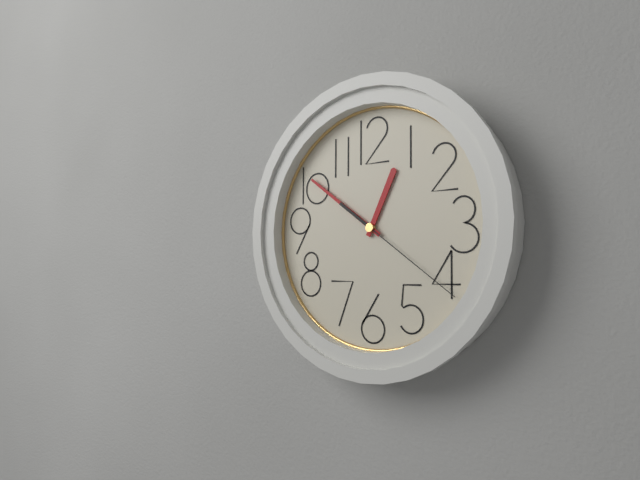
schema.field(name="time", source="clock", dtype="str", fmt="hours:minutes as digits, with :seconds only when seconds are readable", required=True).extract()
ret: 12:51:21
